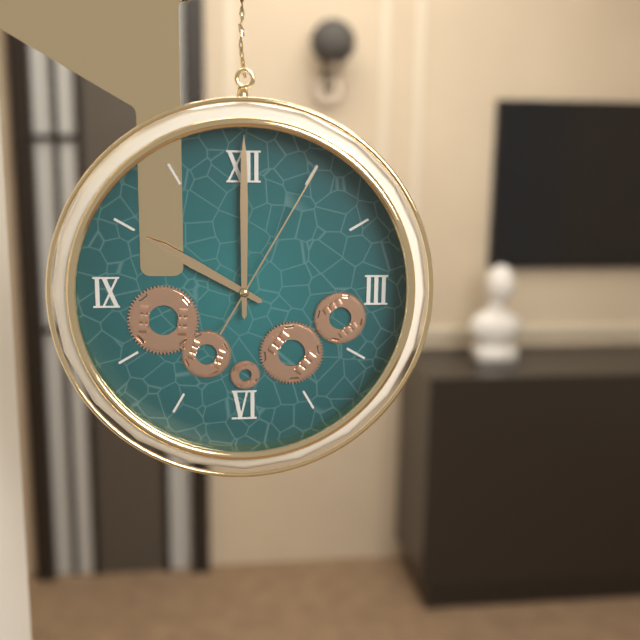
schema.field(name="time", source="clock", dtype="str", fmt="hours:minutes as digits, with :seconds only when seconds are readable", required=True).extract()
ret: 10:00:05
